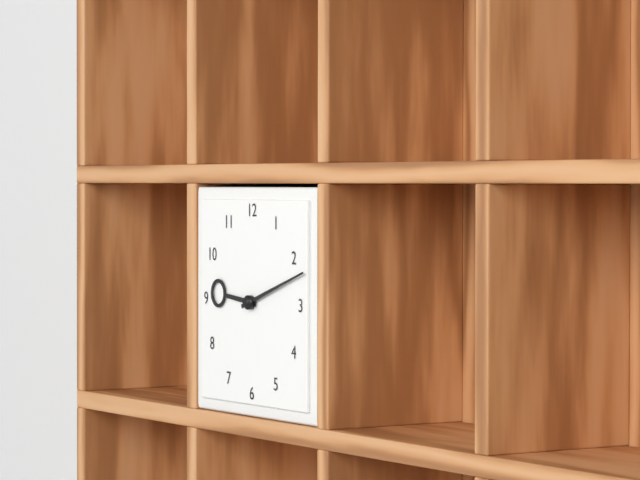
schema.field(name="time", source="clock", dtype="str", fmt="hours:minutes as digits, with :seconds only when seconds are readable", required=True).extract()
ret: 9:12
